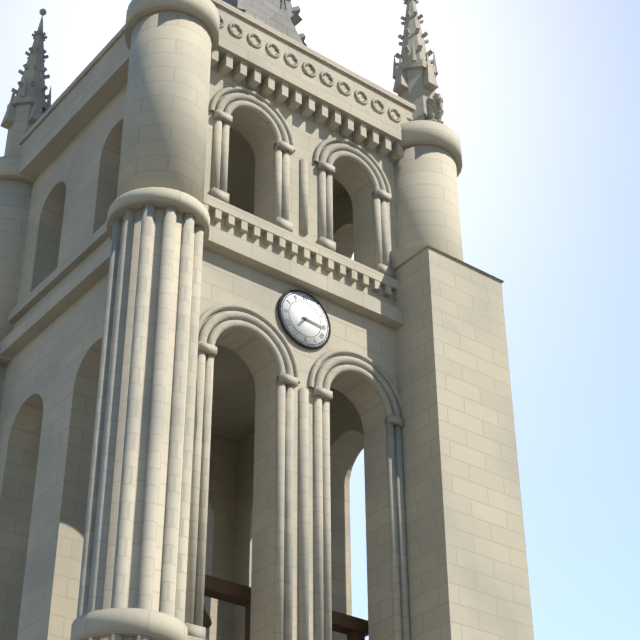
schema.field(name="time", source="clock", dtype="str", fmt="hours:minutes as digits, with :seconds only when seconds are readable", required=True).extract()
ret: 7:16
